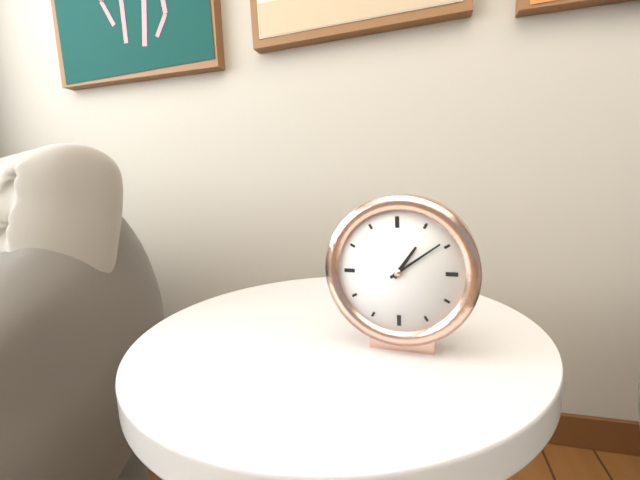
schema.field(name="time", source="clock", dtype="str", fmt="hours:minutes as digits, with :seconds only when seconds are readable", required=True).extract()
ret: 1:09
